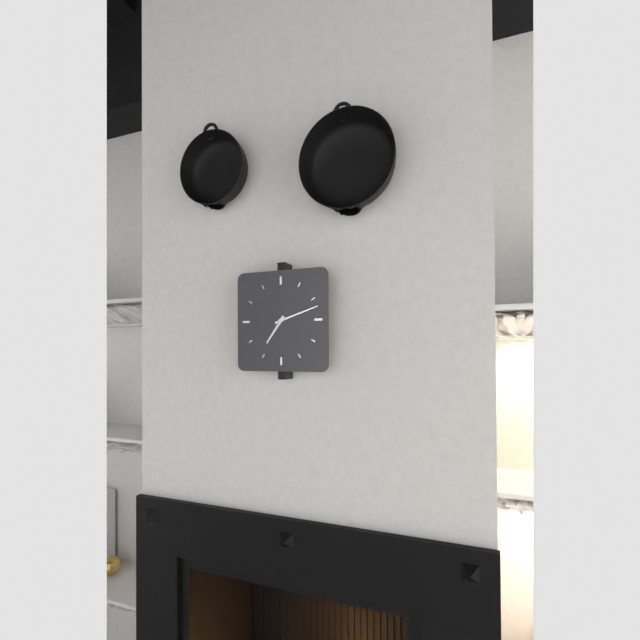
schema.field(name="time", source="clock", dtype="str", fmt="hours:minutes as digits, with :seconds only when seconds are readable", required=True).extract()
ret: 7:12
